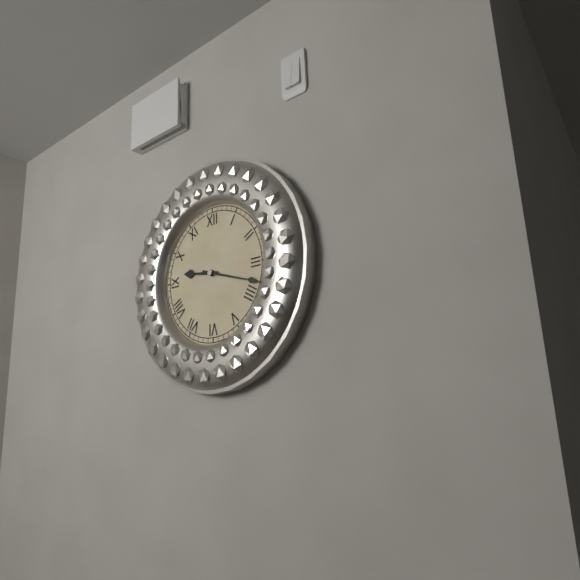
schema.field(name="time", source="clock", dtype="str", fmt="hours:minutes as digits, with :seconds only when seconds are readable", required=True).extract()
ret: 9:18
